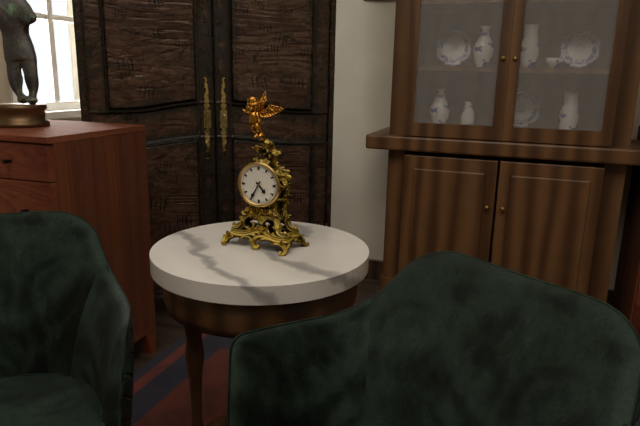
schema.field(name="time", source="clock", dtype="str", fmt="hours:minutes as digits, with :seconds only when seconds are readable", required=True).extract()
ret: 4:35
